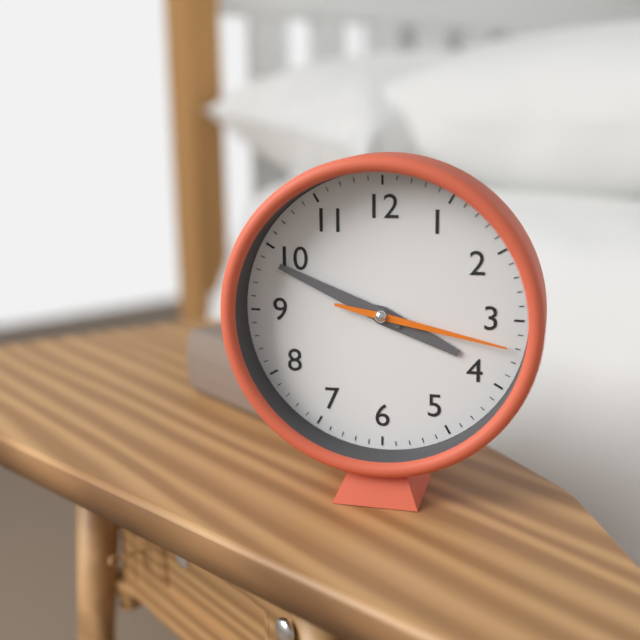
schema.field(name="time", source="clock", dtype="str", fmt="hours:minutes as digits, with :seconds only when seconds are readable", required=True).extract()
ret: 3:49:17
